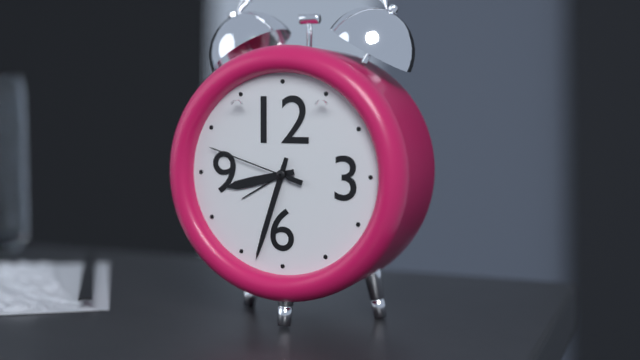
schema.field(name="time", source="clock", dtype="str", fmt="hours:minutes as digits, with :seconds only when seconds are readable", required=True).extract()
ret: 8:33:48
